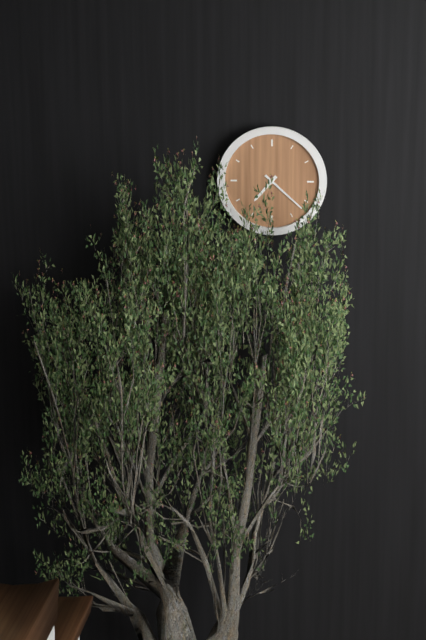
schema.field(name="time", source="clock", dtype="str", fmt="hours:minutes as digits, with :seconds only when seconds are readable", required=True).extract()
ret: 7:22
